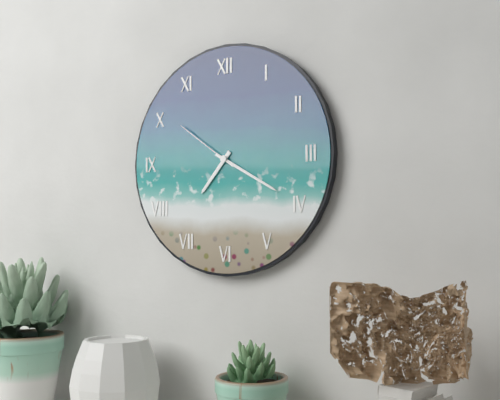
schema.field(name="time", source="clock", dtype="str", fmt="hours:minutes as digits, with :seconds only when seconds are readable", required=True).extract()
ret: 7:20:51
